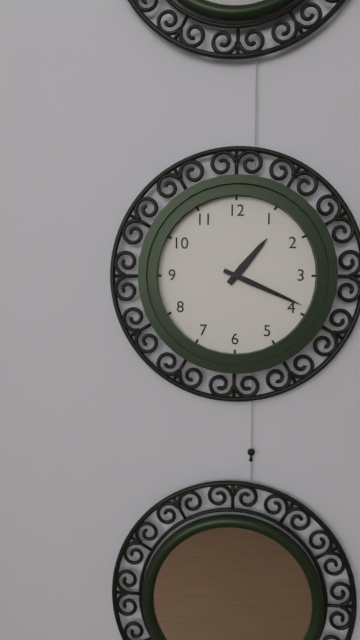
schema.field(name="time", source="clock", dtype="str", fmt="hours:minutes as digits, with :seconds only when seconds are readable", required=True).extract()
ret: 1:19
